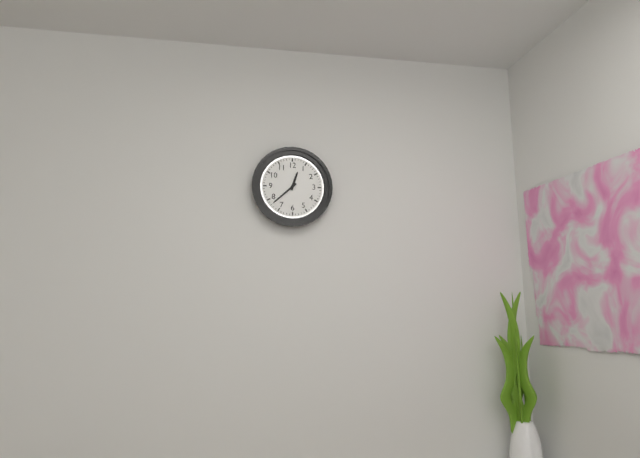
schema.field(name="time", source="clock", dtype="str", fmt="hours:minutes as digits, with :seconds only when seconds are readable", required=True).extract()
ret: 12:38
